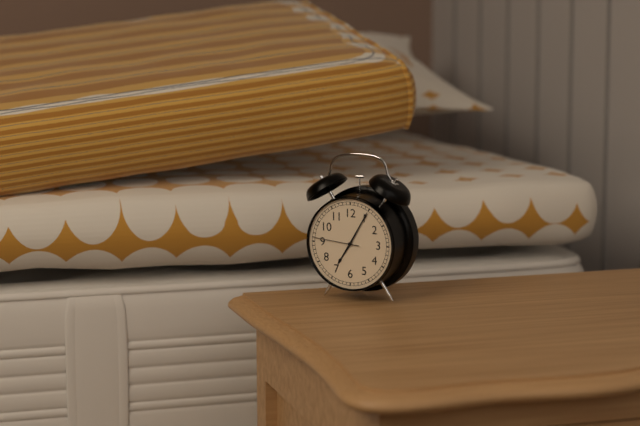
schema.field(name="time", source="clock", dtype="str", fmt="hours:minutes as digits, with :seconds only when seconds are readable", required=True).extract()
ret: 7:05
